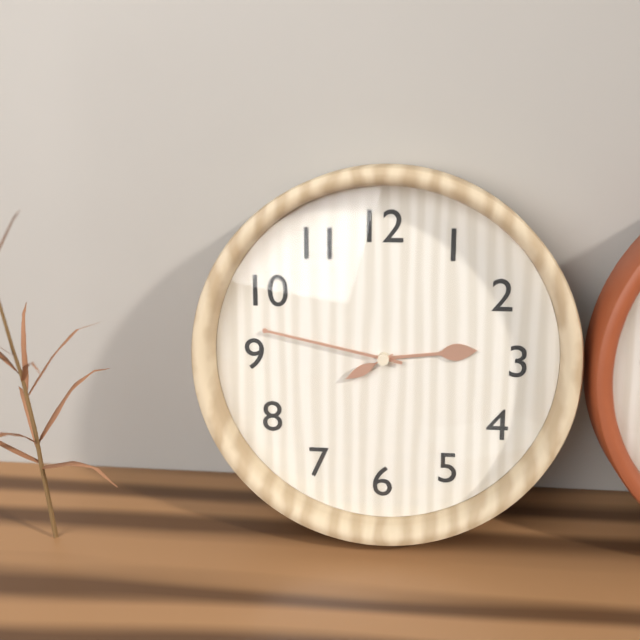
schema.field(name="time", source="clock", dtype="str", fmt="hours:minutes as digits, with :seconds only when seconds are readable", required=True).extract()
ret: 2:47:40
